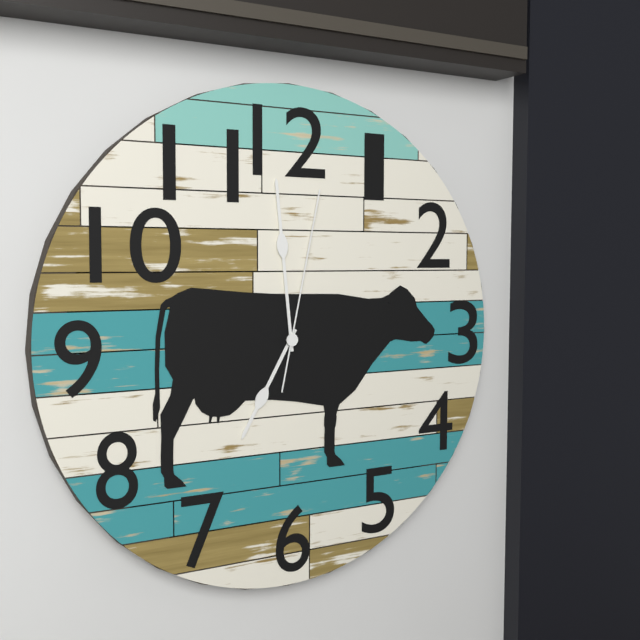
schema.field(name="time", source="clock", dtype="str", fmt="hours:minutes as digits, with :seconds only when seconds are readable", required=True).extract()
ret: 6:59:02
